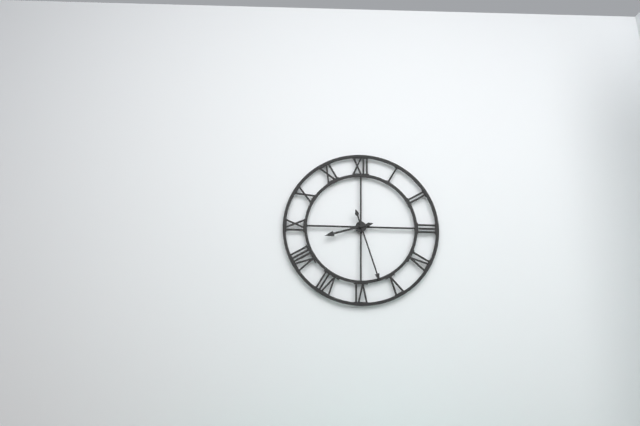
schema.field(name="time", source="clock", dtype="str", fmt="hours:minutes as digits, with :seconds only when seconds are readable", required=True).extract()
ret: 8:27
